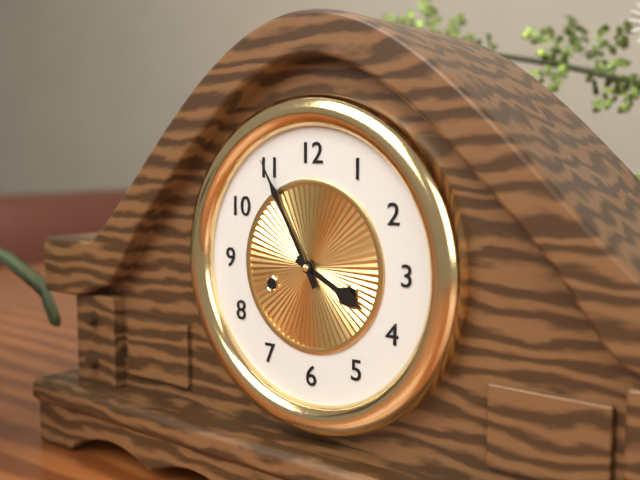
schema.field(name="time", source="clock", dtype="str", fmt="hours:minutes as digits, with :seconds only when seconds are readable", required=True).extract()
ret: 3:55
